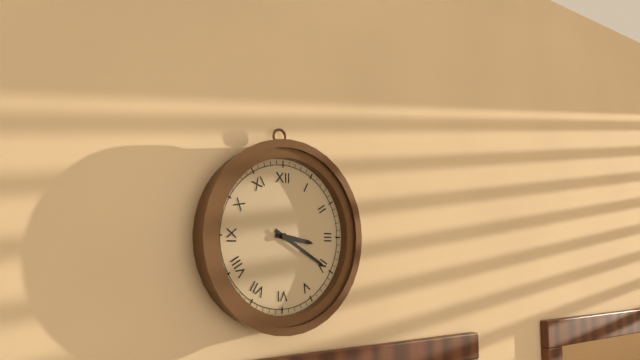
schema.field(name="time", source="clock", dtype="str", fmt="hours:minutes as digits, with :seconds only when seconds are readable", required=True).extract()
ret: 3:20
